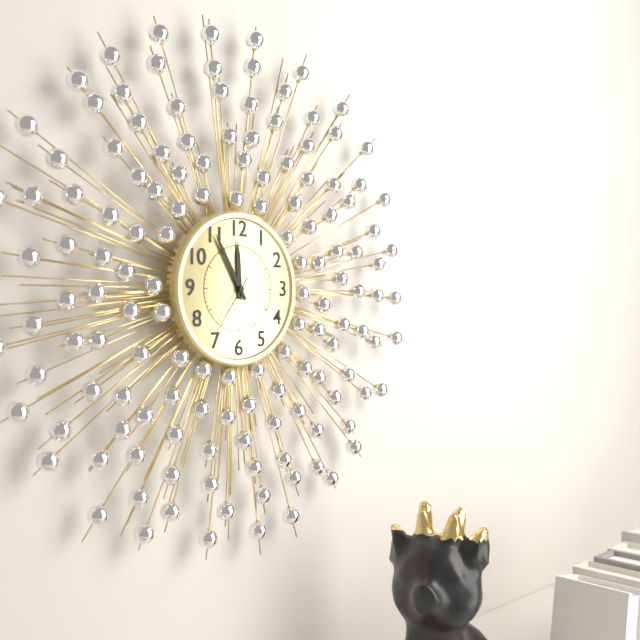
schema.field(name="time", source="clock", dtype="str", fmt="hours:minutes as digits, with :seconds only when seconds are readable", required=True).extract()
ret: 11:55:36
